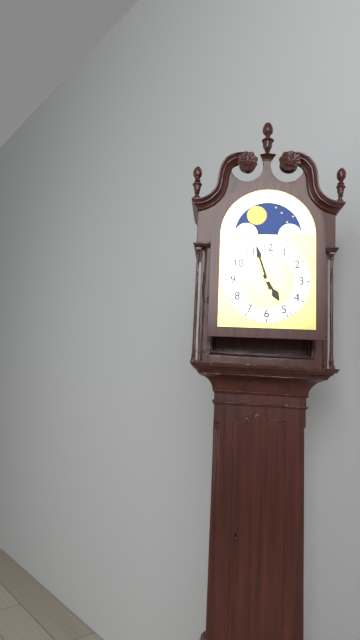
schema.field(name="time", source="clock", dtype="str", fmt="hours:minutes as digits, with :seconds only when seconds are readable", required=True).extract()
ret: 4:57
